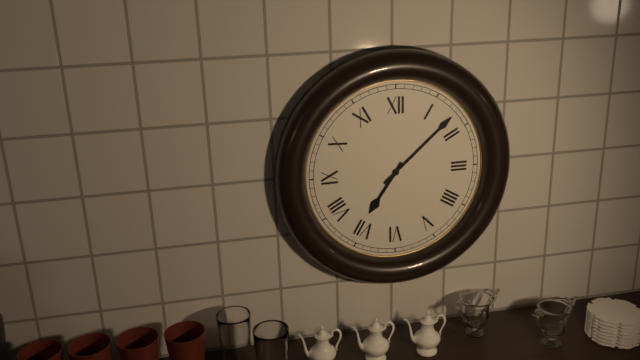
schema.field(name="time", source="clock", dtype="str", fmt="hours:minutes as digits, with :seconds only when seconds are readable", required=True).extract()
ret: 7:08
